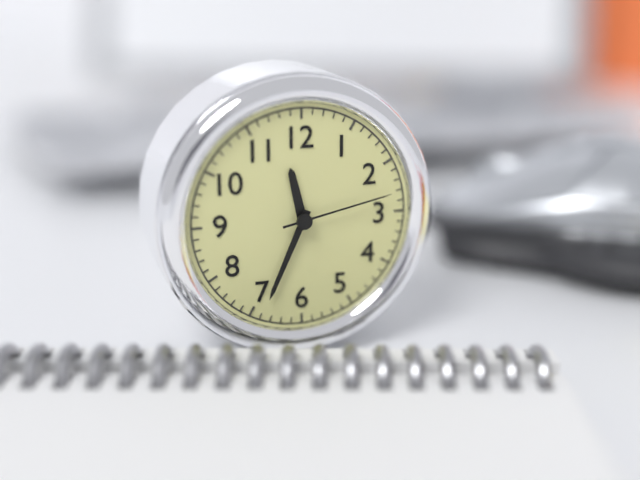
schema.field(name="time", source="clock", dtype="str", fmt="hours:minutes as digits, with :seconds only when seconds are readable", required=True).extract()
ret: 11:34:13
